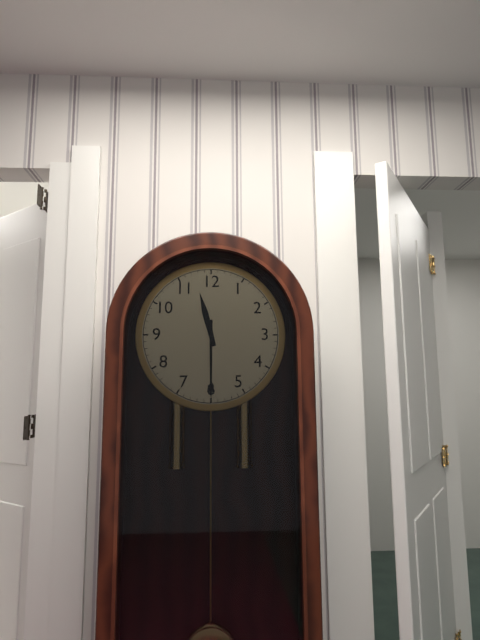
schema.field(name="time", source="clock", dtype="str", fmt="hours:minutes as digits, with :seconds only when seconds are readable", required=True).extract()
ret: 11:30
